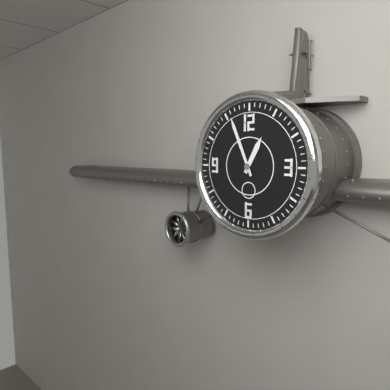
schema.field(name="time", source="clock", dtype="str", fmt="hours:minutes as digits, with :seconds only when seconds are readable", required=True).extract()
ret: 12:56
